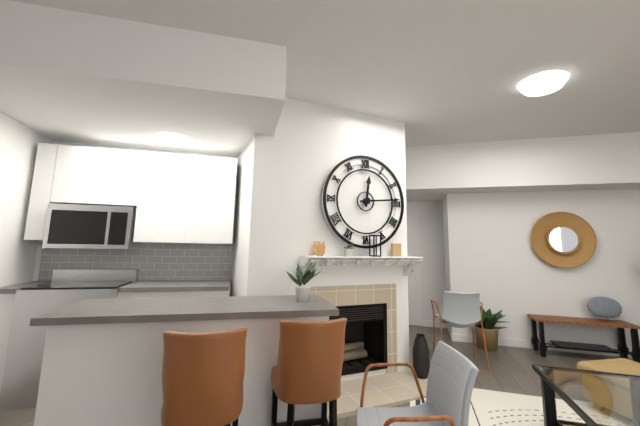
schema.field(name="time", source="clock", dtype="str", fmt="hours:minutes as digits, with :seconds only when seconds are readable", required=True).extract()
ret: 12:14
